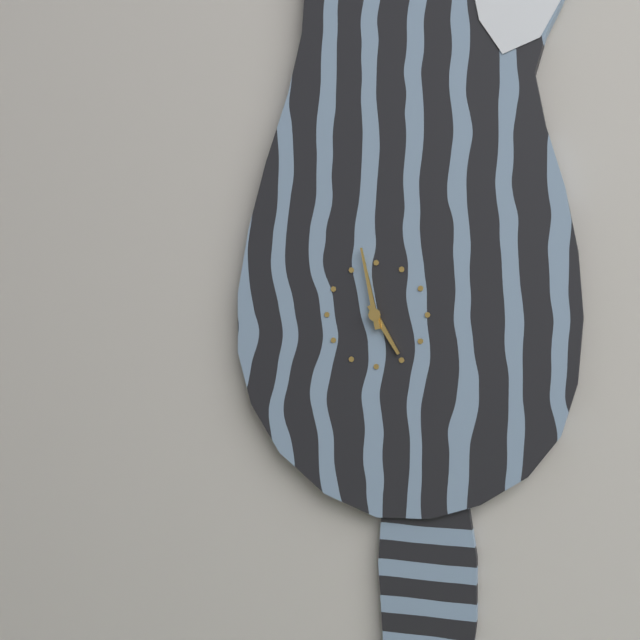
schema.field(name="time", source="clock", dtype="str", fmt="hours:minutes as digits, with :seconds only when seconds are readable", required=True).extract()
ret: 4:58
